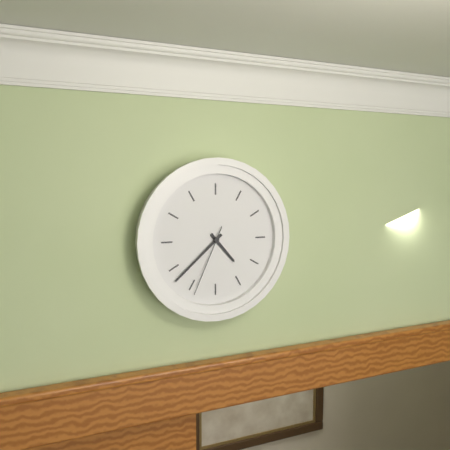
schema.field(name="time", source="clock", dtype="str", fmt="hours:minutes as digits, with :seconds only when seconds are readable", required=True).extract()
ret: 4:38:34
